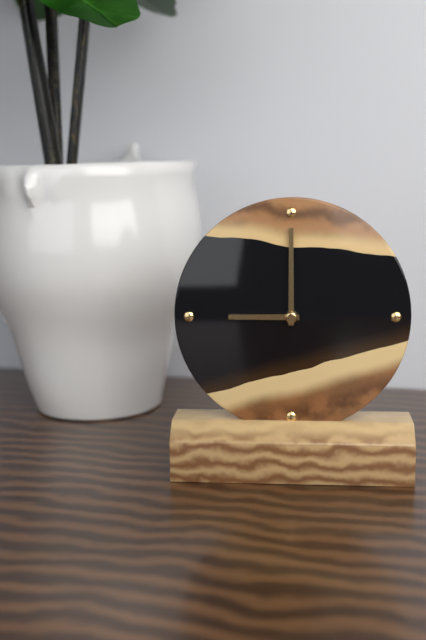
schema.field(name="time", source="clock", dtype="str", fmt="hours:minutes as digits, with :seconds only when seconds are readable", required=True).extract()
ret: 9:00
